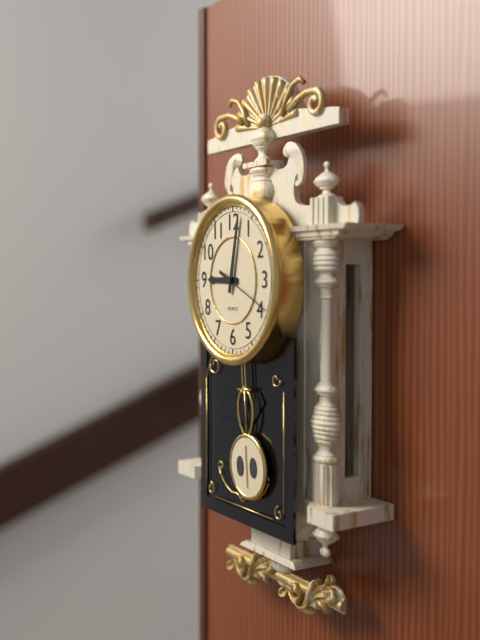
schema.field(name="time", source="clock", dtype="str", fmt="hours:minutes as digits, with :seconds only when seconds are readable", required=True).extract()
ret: 9:02:19
